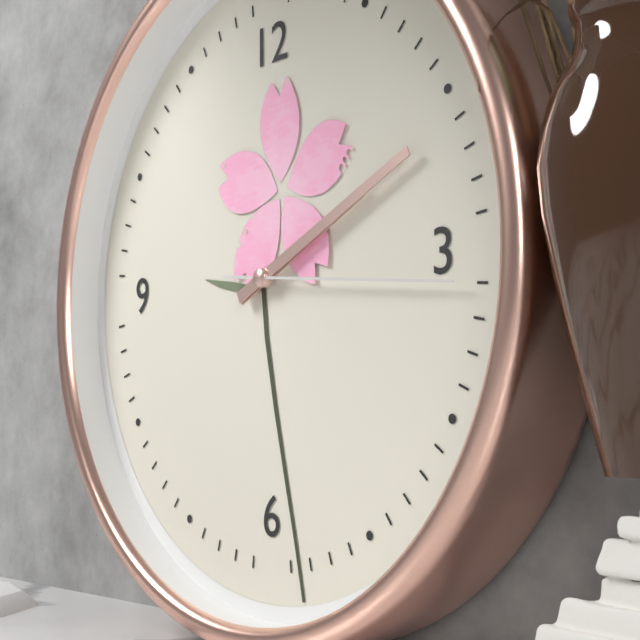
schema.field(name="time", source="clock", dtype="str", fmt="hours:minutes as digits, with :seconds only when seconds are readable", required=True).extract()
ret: 2:11:16
